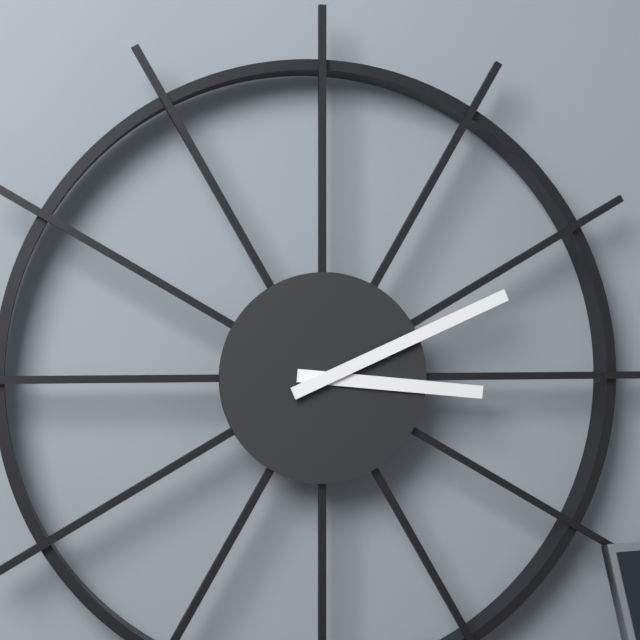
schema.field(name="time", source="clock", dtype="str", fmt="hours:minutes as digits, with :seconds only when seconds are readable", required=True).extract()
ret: 3:11
